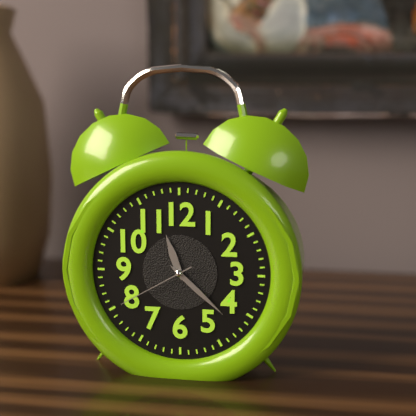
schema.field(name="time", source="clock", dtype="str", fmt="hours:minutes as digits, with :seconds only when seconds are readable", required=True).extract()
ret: 11:22:40
